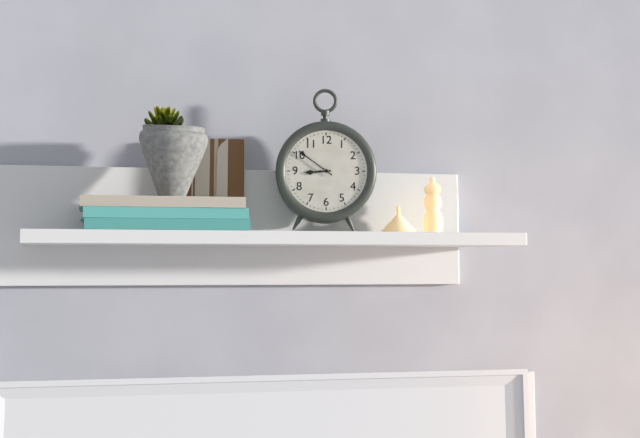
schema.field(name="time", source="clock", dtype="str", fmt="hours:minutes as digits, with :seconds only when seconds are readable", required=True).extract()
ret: 8:51
